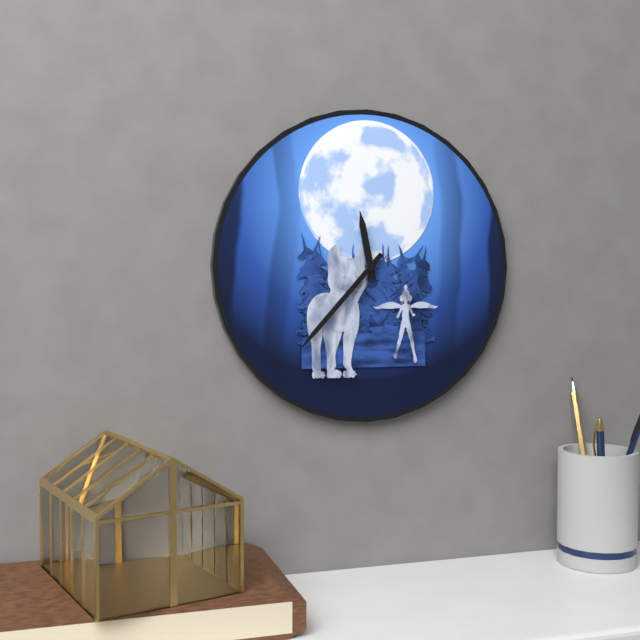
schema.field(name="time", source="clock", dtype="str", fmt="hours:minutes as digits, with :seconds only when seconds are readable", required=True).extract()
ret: 11:37
